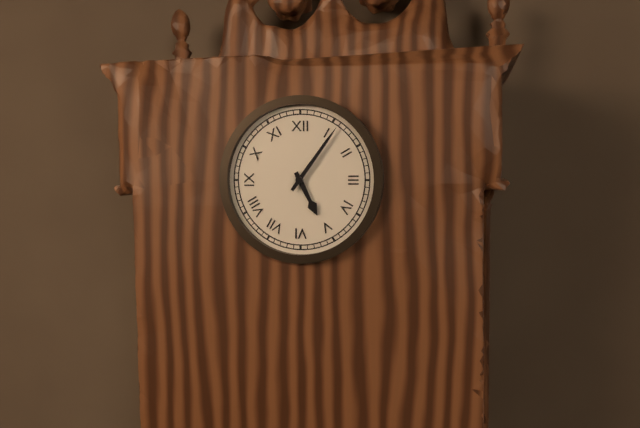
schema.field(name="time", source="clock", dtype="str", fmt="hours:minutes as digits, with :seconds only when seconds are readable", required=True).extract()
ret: 5:06
